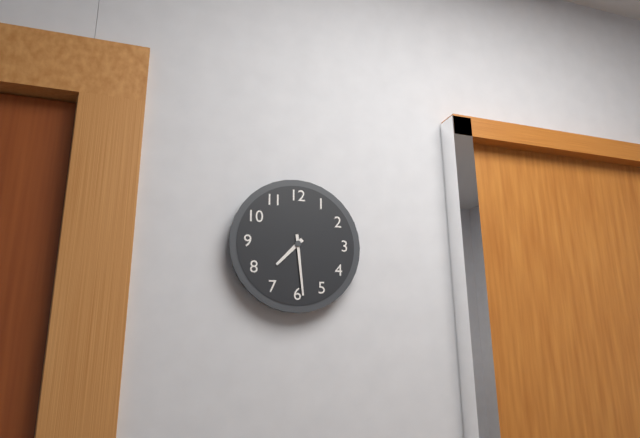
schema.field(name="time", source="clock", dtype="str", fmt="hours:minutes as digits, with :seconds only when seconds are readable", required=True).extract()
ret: 7:29
